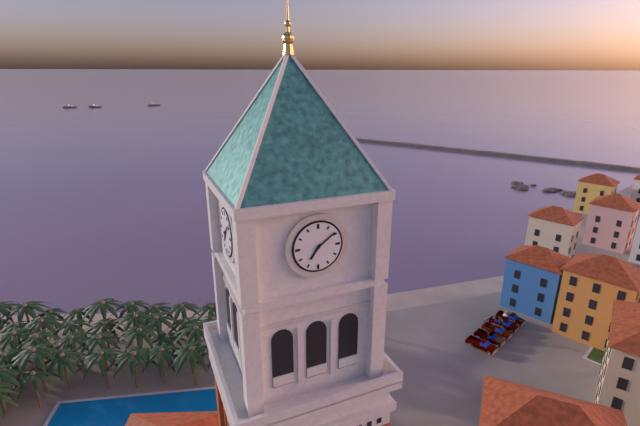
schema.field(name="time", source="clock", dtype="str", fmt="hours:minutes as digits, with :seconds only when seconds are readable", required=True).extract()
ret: 7:09
